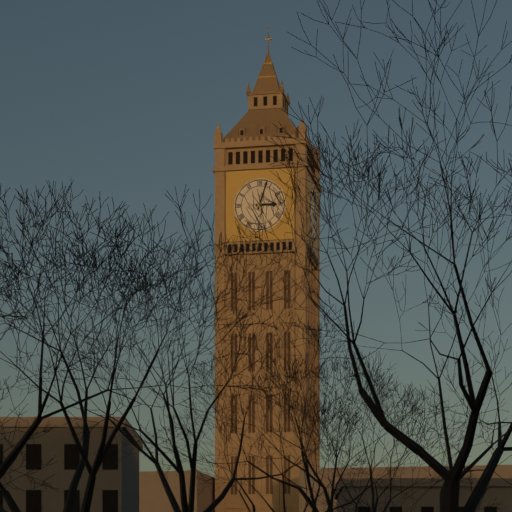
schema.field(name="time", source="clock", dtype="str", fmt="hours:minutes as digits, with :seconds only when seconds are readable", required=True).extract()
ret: 3:03
